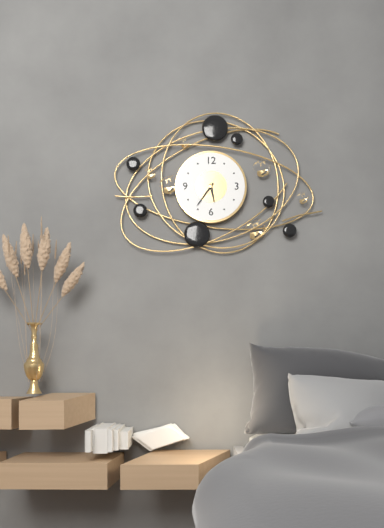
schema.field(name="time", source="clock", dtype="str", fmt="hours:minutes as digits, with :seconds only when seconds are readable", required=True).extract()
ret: 5:36
